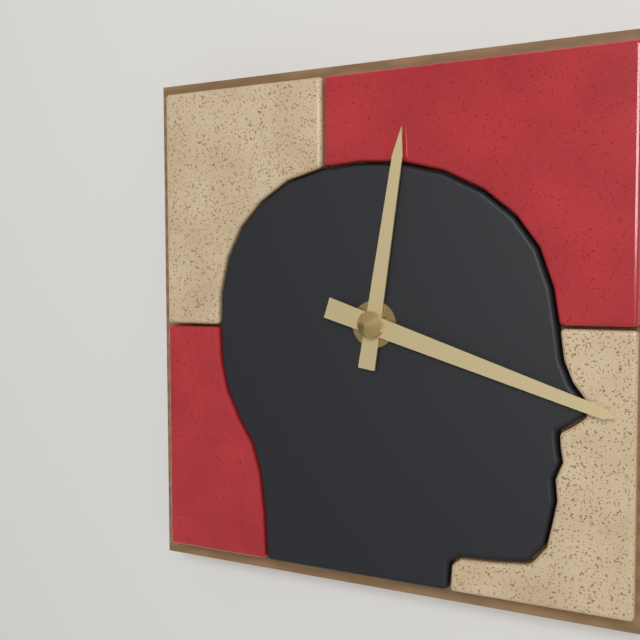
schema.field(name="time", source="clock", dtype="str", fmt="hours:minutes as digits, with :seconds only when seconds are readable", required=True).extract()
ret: 12:18
